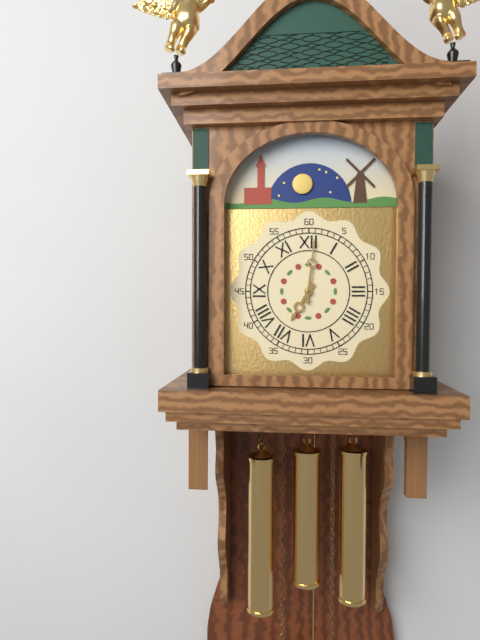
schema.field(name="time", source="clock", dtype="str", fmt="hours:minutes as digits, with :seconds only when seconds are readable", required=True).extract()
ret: 7:01
